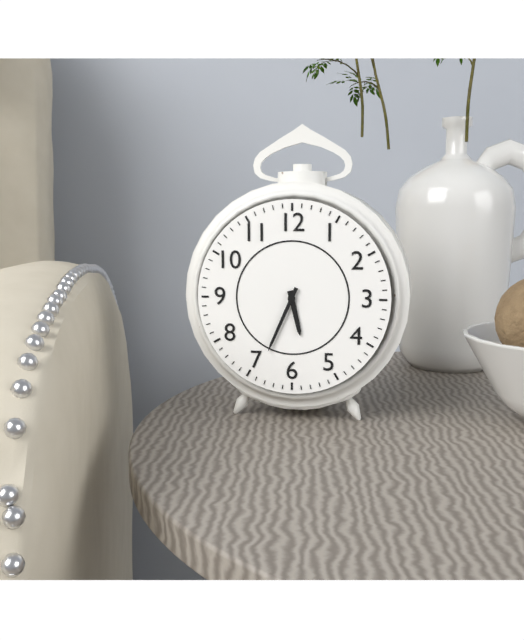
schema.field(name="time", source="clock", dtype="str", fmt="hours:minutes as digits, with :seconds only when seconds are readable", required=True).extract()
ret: 5:34
